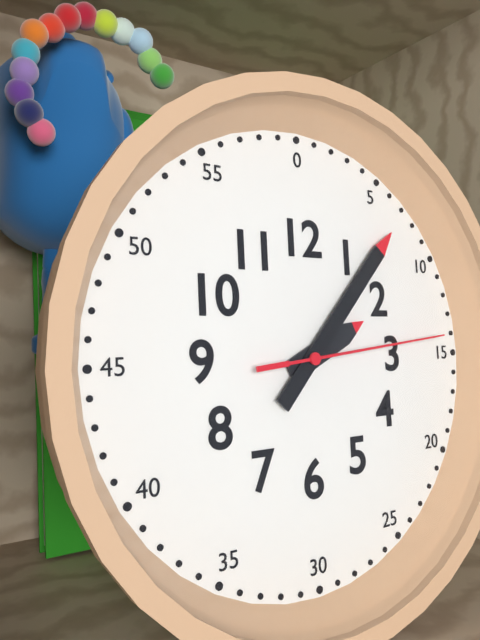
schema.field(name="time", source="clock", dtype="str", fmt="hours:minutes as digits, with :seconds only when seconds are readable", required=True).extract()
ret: 2:07:14
